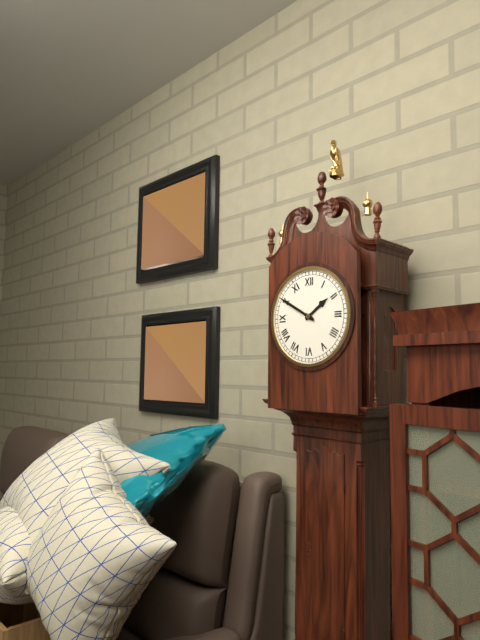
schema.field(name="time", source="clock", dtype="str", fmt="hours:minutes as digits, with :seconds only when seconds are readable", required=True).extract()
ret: 1:50
